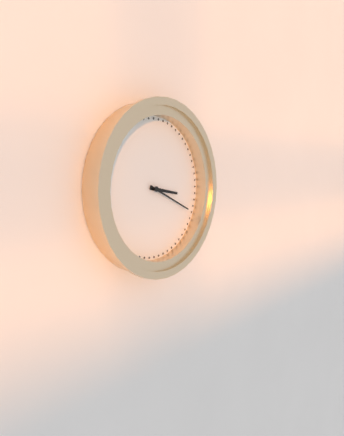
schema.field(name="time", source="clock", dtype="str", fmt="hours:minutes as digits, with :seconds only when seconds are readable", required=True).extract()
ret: 3:19
